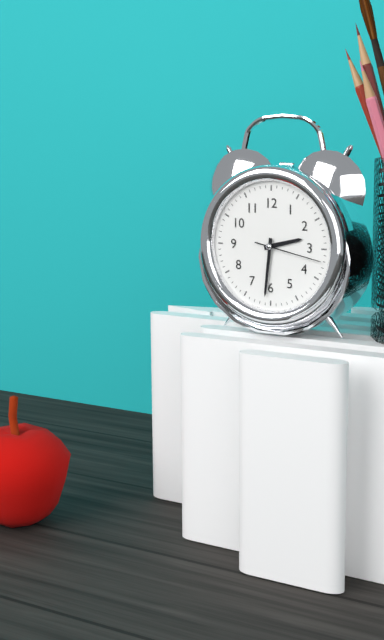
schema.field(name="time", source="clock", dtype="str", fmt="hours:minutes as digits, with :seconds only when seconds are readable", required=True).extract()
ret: 2:31:17
